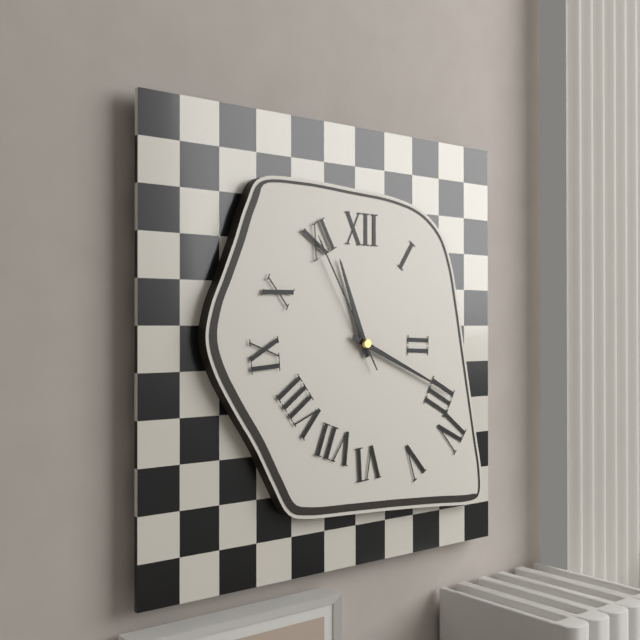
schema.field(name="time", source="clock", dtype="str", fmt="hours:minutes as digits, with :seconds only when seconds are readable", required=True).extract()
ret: 11:19:55
